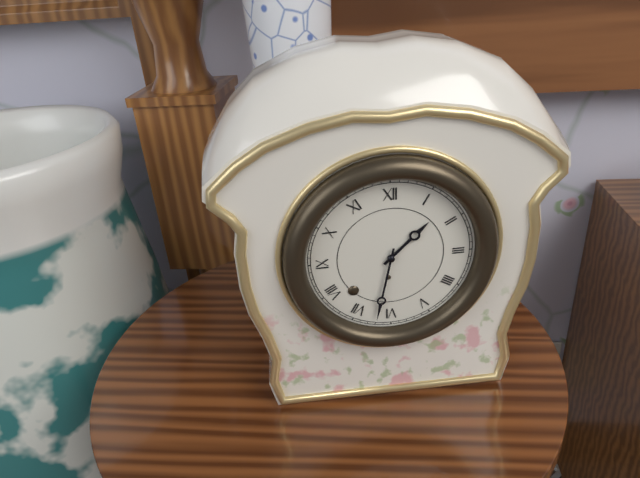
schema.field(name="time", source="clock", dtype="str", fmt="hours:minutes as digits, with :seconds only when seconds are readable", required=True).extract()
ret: 1:32
